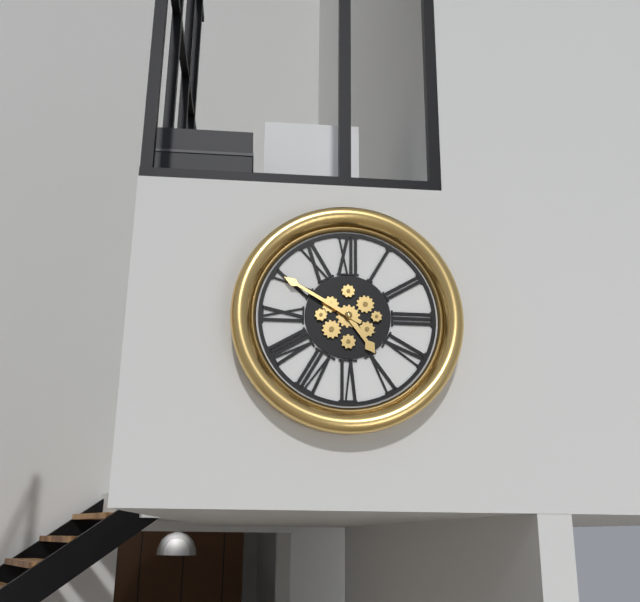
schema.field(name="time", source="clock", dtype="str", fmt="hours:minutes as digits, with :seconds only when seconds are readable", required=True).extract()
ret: 4:50
